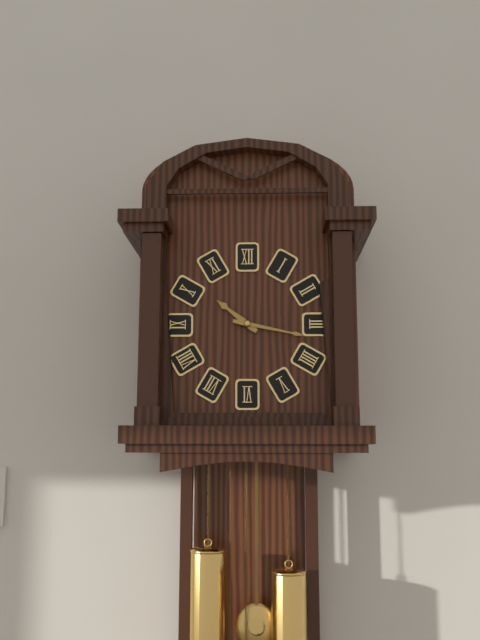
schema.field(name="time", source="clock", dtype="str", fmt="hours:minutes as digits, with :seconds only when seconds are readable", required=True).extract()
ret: 10:17
